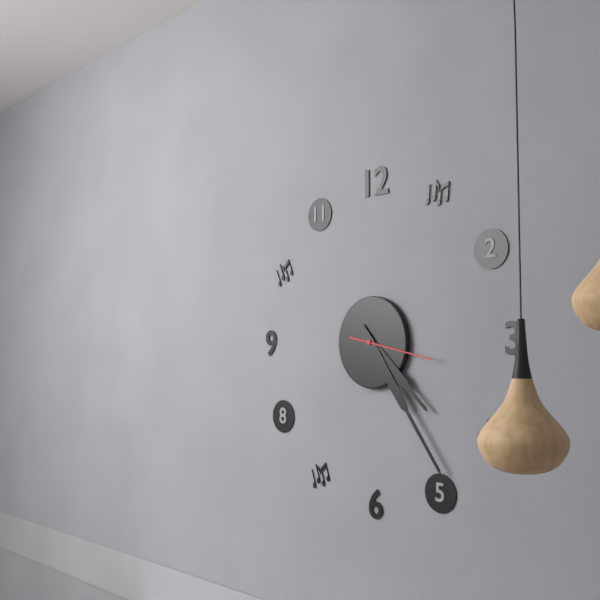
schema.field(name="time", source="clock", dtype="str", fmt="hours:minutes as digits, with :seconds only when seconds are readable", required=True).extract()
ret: 4:24:17
